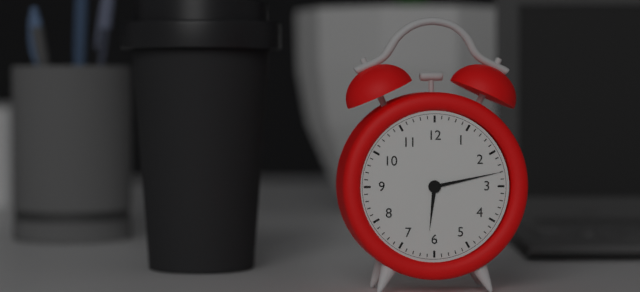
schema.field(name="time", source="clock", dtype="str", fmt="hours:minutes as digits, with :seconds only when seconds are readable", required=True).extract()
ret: 6:13
